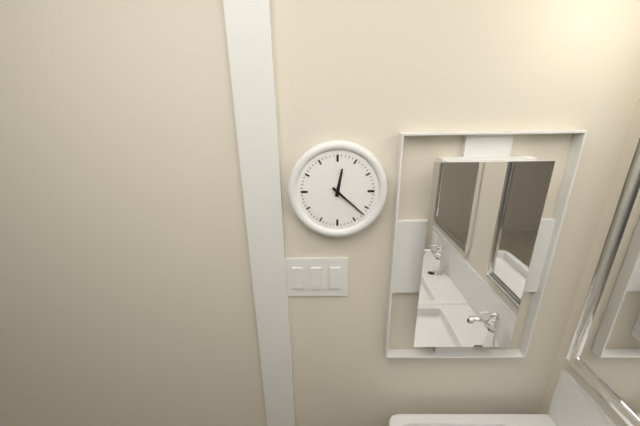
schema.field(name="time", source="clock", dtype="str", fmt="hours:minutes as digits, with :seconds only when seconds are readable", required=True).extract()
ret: 12:22
